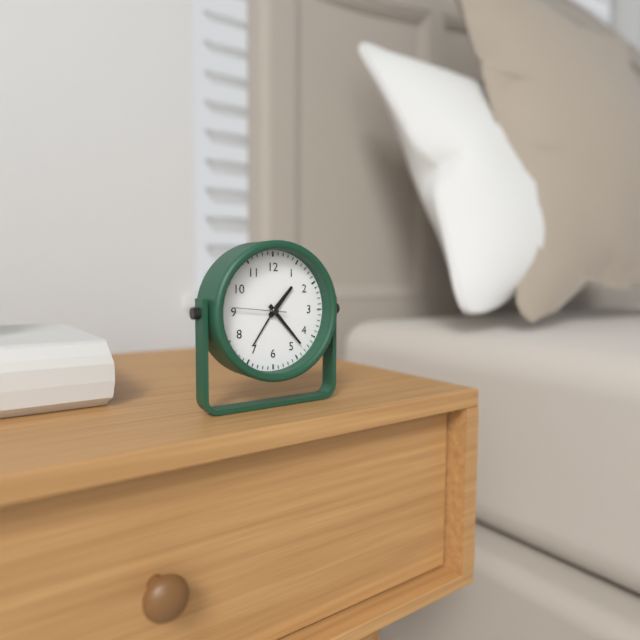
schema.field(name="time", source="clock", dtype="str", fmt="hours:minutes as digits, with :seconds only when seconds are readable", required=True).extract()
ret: 1:23:46
